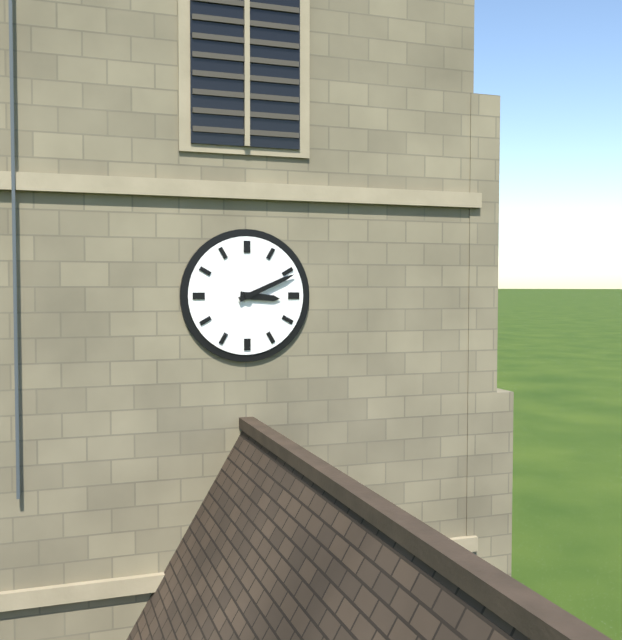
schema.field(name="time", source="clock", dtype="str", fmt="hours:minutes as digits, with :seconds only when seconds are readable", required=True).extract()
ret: 3:11
